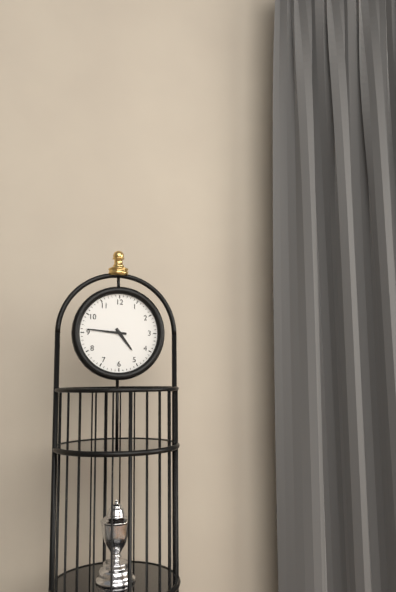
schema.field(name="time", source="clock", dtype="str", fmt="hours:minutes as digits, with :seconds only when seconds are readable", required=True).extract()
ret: 4:46
